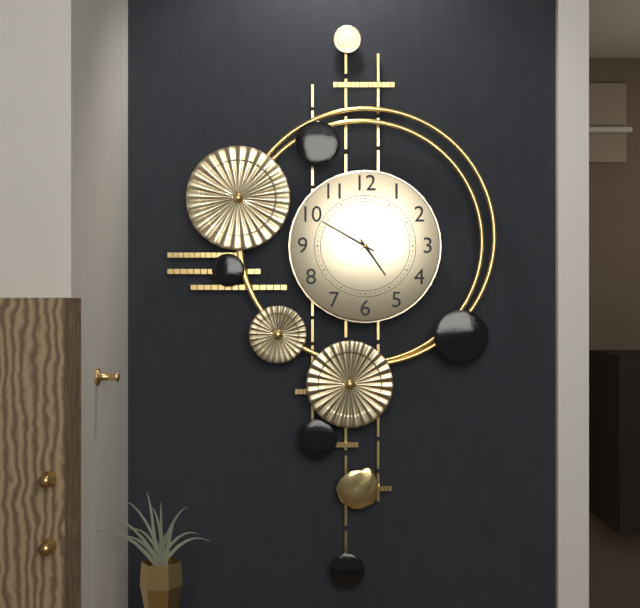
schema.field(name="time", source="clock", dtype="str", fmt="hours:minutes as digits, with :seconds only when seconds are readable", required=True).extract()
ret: 4:50
